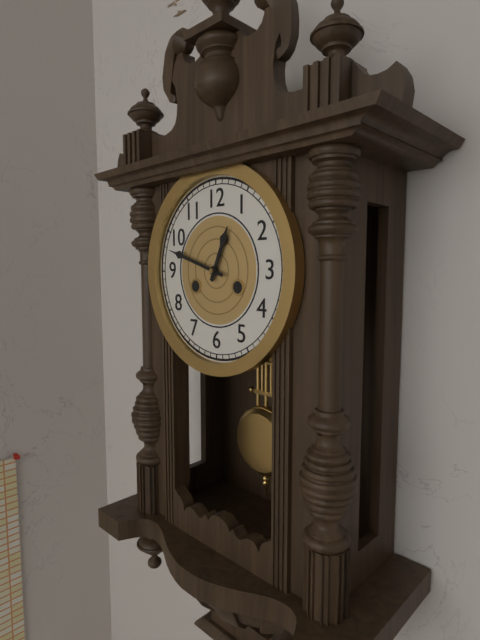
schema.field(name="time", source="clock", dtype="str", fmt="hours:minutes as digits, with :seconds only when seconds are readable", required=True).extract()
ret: 12:48
